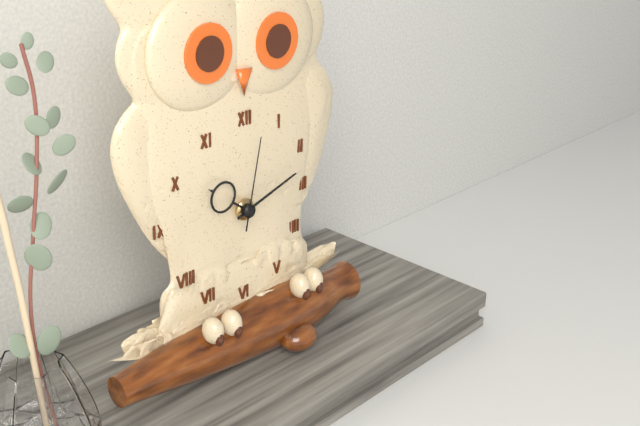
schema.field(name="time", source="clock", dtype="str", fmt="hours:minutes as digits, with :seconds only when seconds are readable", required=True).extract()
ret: 10:12:02
